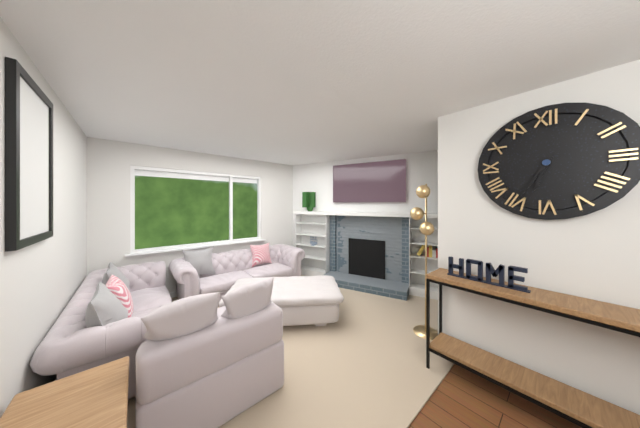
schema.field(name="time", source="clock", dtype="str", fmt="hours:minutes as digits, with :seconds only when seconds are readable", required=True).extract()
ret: 6:35
